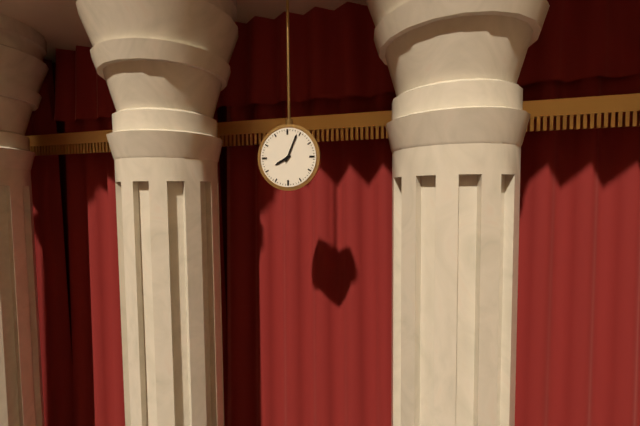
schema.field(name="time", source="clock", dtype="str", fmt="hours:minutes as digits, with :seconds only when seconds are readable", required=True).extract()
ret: 8:04
